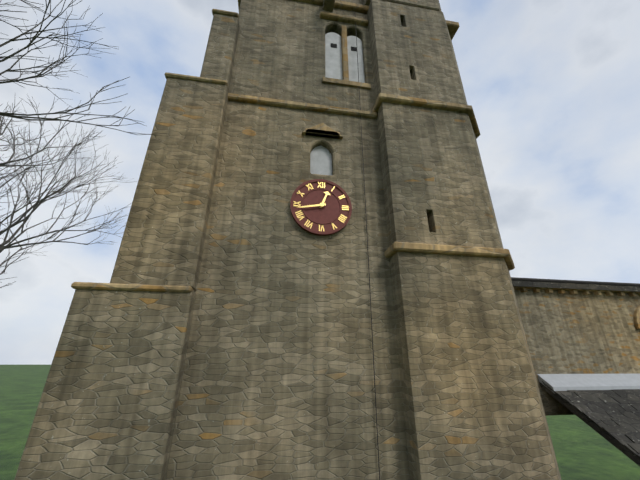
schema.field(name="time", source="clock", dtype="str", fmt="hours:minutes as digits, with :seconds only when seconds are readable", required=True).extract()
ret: 12:43
